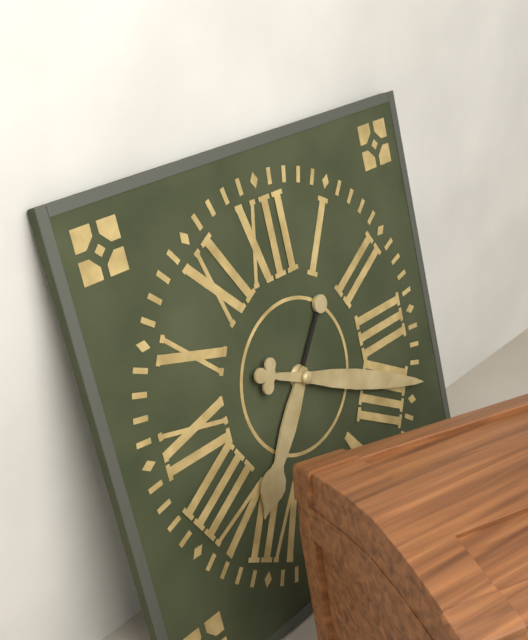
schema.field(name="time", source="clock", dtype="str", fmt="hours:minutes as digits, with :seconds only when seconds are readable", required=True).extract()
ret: 7:19
